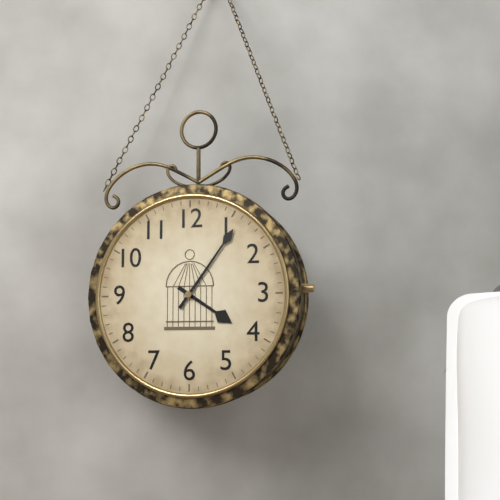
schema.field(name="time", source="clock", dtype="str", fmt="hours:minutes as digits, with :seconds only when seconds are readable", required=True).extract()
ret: 4:06
